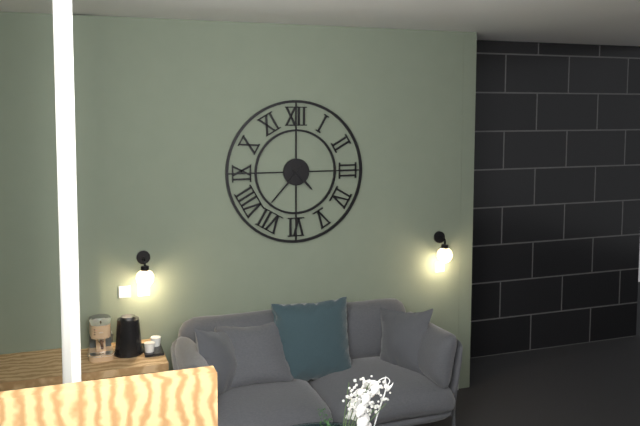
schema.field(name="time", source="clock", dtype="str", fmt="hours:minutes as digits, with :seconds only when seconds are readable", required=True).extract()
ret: 4:37
